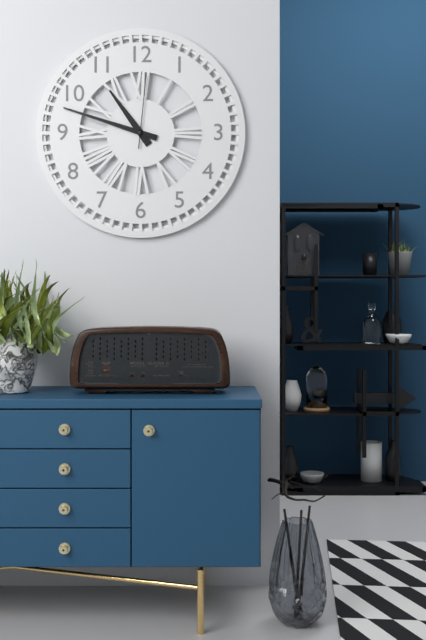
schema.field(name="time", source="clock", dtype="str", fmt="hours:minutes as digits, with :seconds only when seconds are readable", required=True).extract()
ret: 10:48:01
